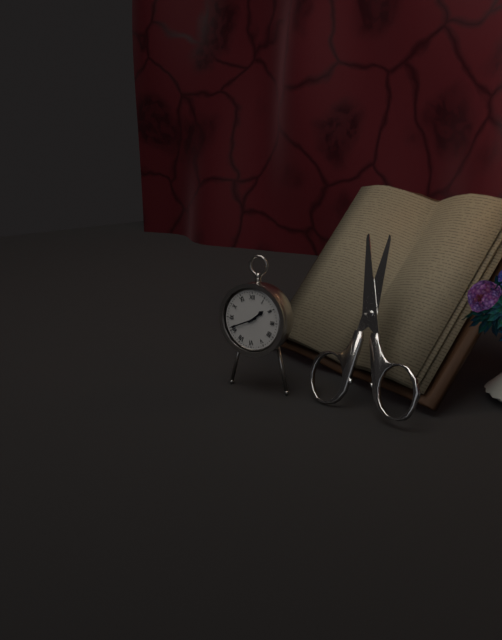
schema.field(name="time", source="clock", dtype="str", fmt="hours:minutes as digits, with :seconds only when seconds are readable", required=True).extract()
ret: 1:41
